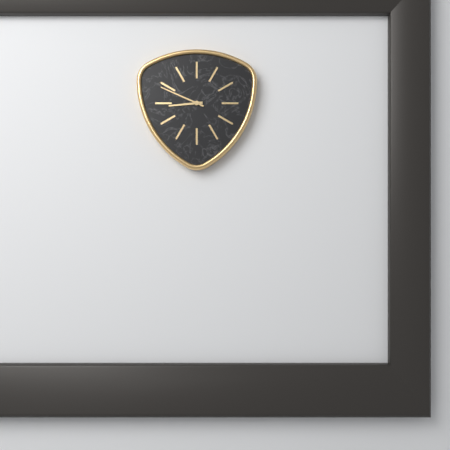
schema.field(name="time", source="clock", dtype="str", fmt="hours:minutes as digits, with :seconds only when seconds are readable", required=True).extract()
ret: 8:49
